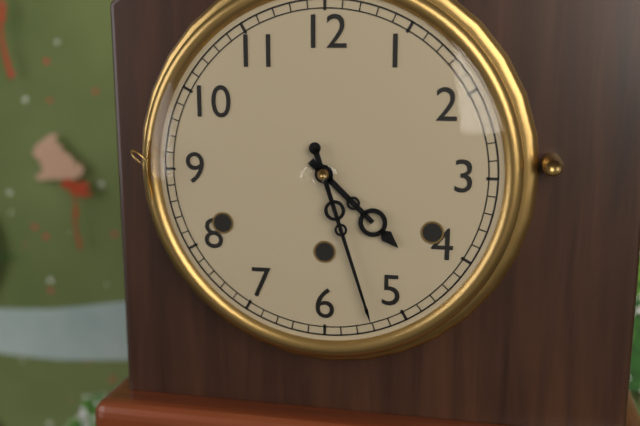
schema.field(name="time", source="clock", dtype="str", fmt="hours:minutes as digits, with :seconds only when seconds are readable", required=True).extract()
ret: 4:27
